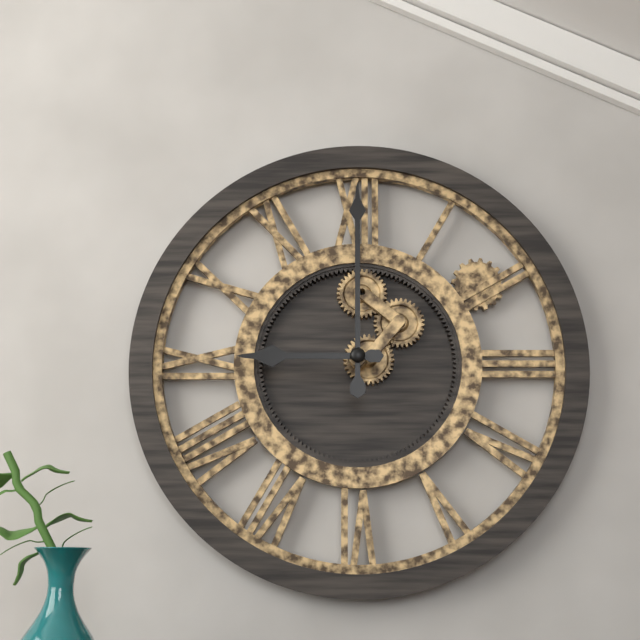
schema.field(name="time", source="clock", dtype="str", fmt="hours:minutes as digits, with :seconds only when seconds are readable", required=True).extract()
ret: 9:00
